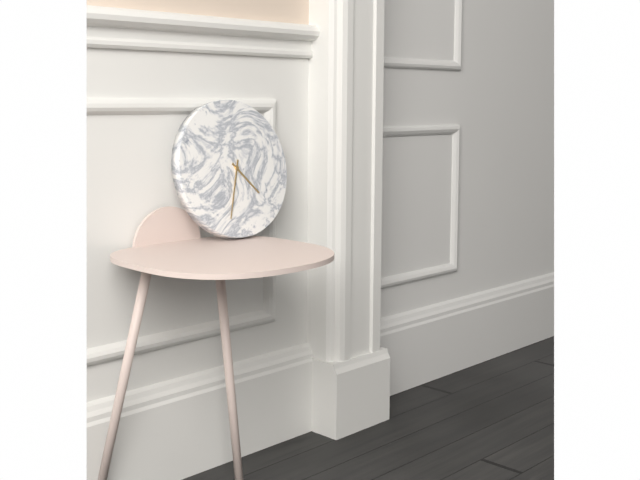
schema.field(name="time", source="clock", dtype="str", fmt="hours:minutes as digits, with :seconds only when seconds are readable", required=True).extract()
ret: 4:33
